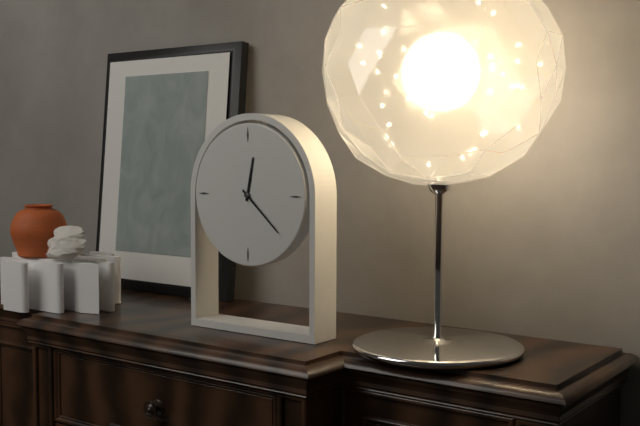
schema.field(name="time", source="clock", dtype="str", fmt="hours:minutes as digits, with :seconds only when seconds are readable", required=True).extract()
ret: 12:22
